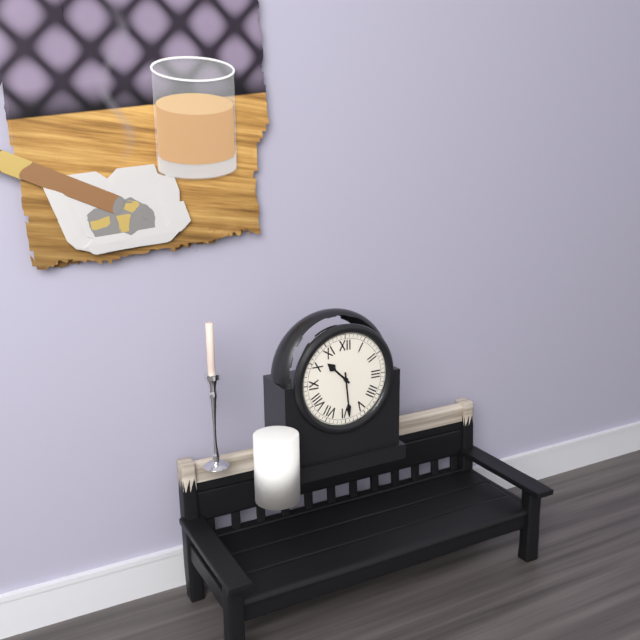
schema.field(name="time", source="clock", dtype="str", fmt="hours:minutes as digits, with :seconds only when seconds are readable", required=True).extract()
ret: 10:29
